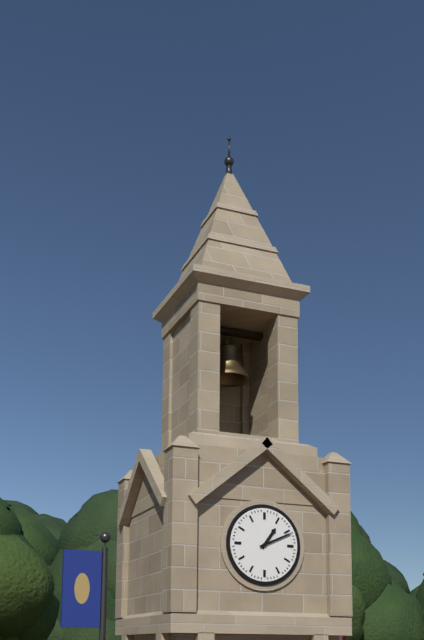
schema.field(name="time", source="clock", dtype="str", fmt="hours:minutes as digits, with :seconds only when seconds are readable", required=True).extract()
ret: 1:11
